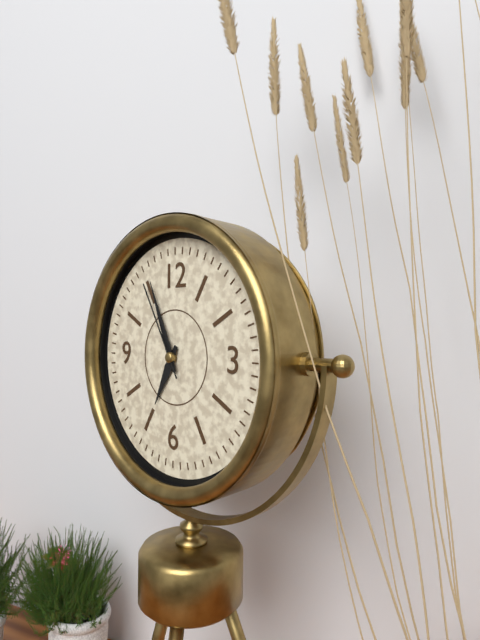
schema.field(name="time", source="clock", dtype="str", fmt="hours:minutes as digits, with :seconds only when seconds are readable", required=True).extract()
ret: 6:56:55
